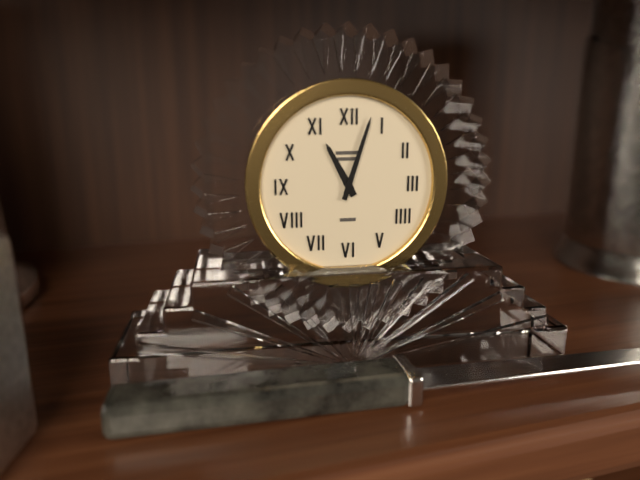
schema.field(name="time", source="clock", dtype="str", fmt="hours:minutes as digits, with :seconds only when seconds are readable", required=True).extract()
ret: 11:03
